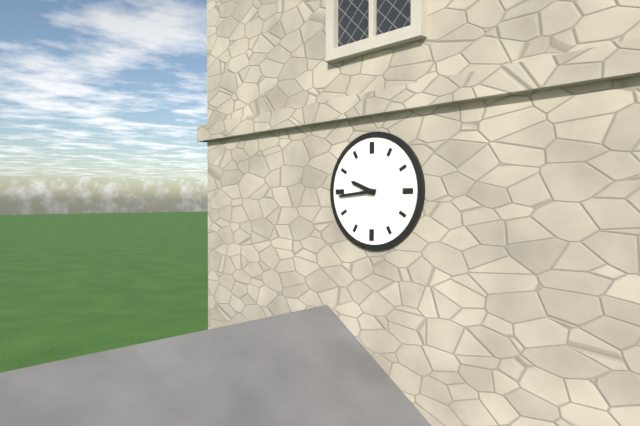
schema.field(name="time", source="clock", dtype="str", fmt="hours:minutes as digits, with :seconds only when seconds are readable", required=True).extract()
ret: 9:44
